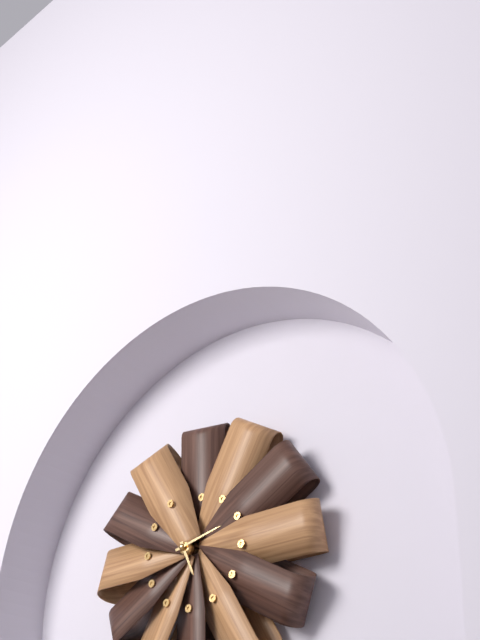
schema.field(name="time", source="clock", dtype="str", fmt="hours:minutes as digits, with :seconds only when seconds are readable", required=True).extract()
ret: 5:13
